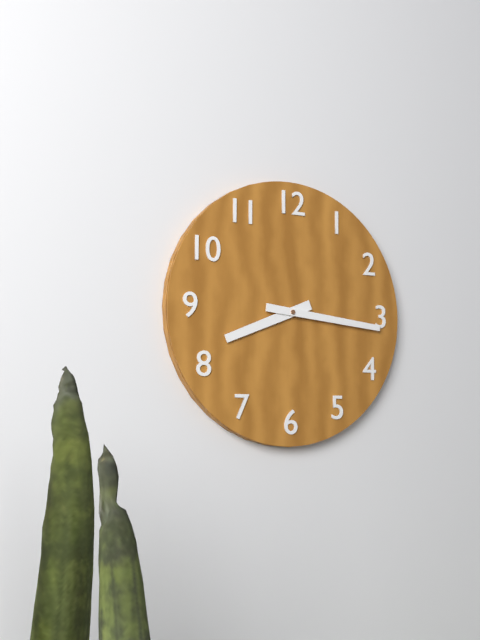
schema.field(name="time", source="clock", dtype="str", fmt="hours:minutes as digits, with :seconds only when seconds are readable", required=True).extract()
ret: 8:16
